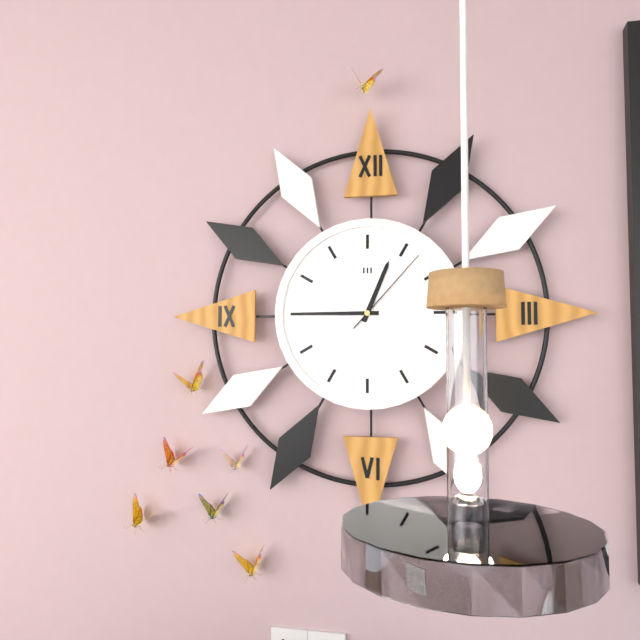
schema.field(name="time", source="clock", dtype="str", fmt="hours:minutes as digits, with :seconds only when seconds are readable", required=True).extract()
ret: 12:45:07
